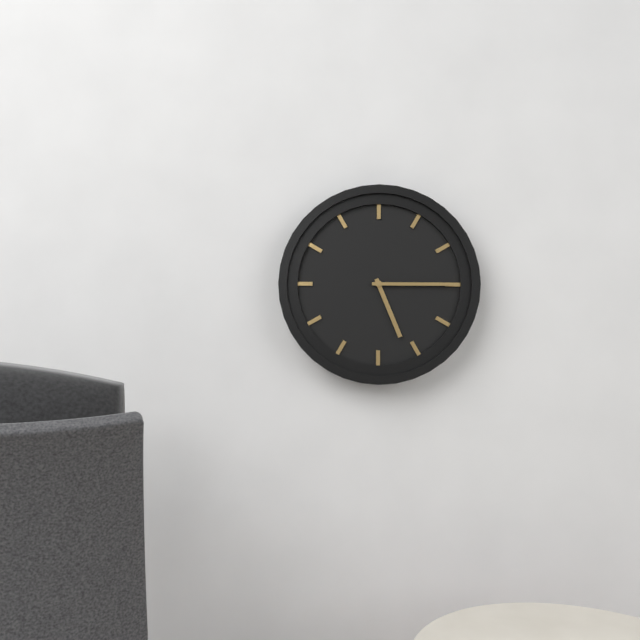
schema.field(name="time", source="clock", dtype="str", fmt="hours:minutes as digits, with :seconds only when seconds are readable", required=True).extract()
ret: 5:15
